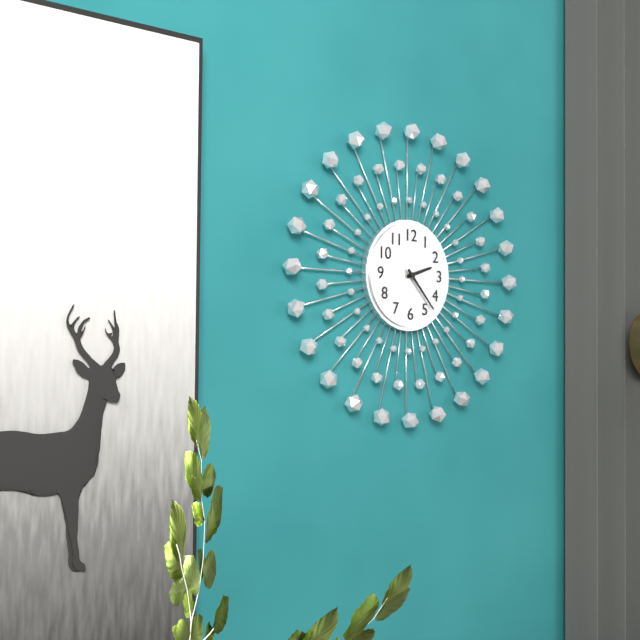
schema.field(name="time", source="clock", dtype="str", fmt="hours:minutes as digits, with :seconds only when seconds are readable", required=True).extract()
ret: 2:23
